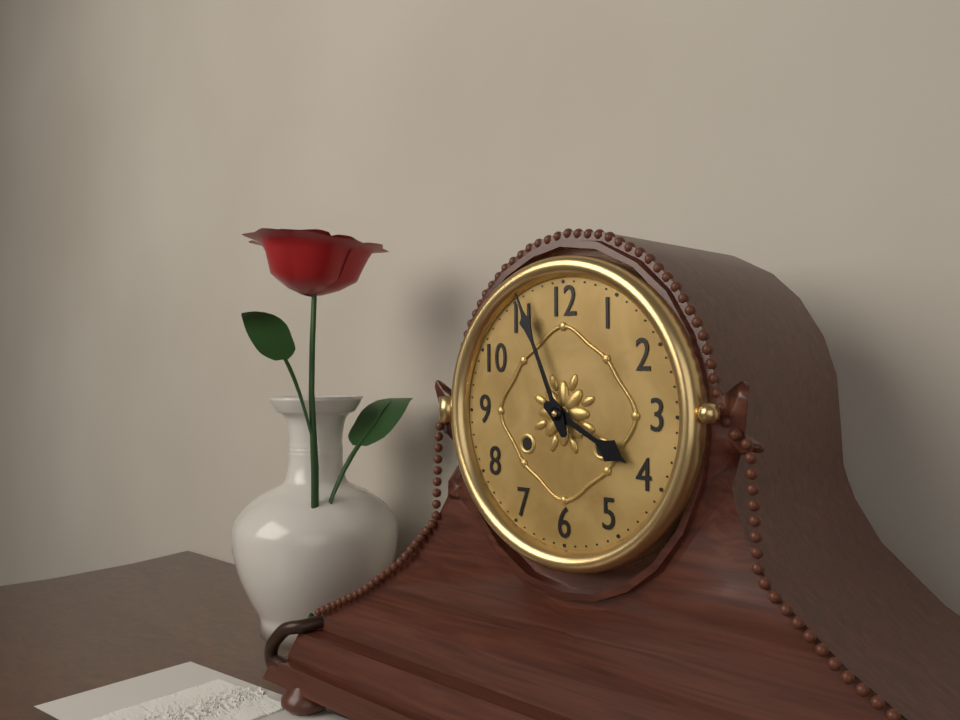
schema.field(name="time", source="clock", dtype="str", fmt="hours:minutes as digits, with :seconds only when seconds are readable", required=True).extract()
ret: 3:56
